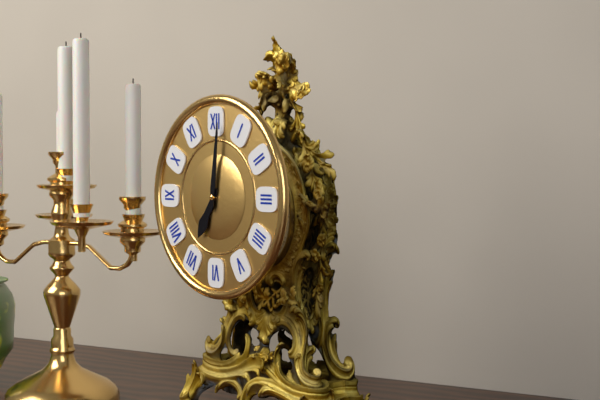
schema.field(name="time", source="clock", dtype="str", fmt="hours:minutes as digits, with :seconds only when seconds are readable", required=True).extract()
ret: 7:01
